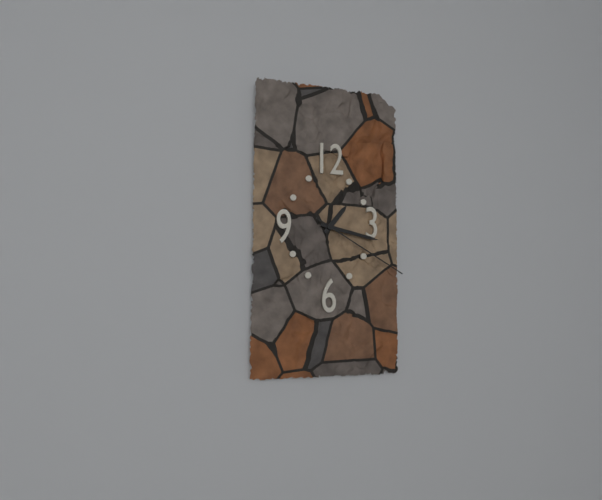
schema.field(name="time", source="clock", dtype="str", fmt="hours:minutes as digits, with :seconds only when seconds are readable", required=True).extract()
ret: 1:17:20
